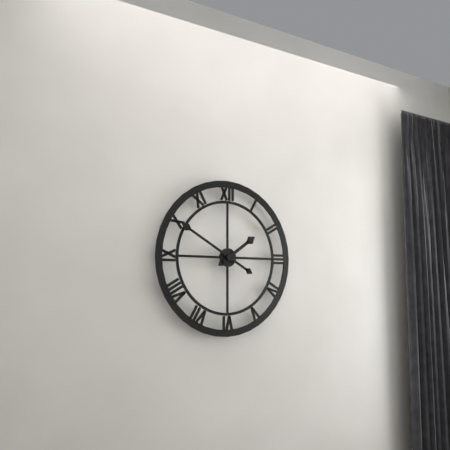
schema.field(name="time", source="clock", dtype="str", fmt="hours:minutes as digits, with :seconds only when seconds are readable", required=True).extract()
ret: 1:50
